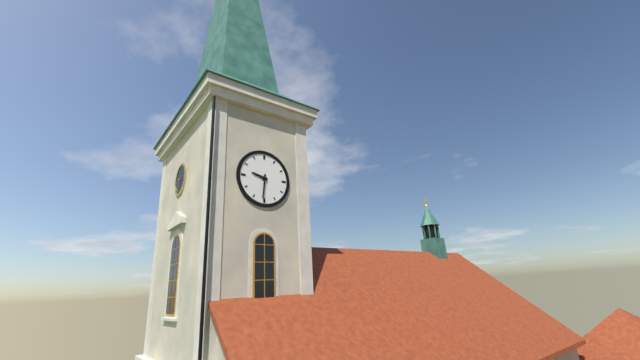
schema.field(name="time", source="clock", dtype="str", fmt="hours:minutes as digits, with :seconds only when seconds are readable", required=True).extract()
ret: 9:31
